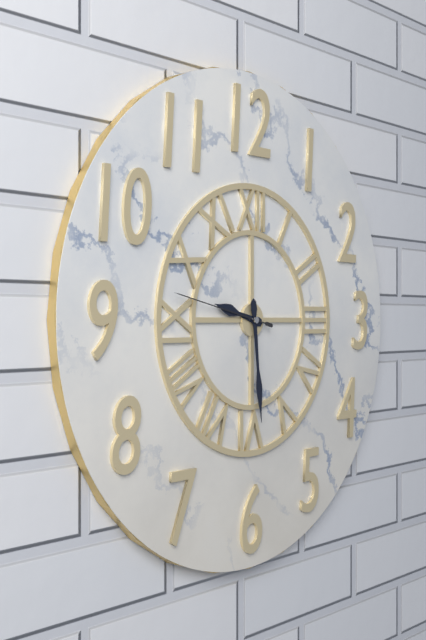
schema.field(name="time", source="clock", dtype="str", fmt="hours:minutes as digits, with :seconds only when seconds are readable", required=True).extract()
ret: 9:29:47
